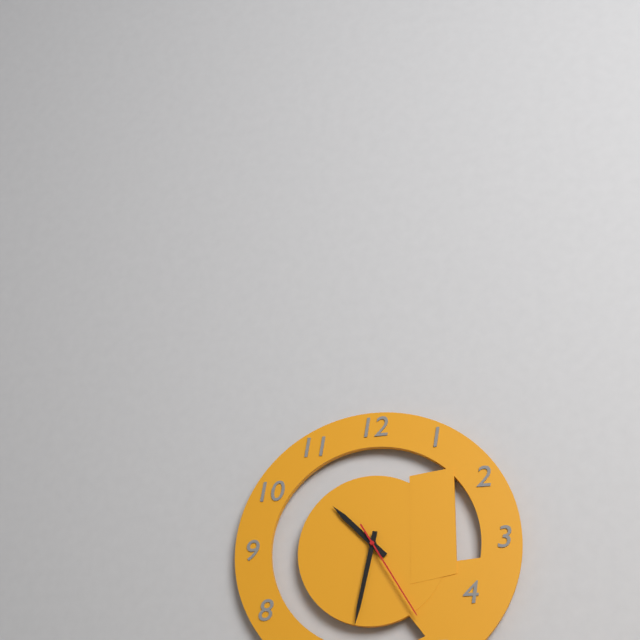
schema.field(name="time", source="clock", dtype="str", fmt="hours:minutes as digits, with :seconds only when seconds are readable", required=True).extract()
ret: 10:32:25
